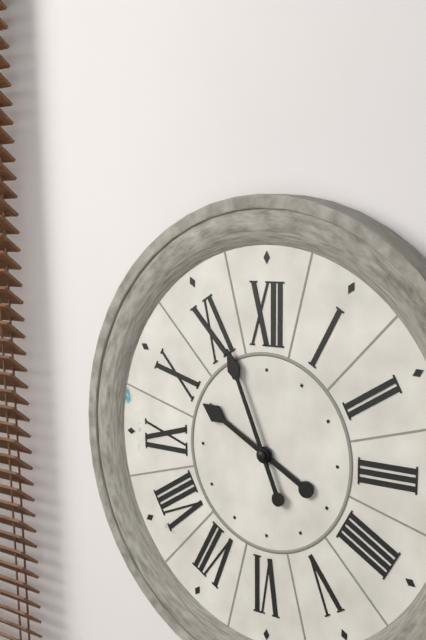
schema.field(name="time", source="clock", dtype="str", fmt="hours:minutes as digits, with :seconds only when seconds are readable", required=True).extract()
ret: 9:56
